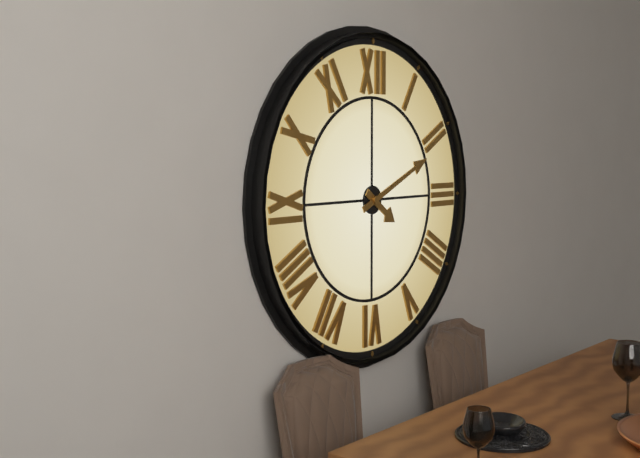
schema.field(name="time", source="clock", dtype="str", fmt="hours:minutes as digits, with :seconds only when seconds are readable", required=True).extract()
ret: 4:11
